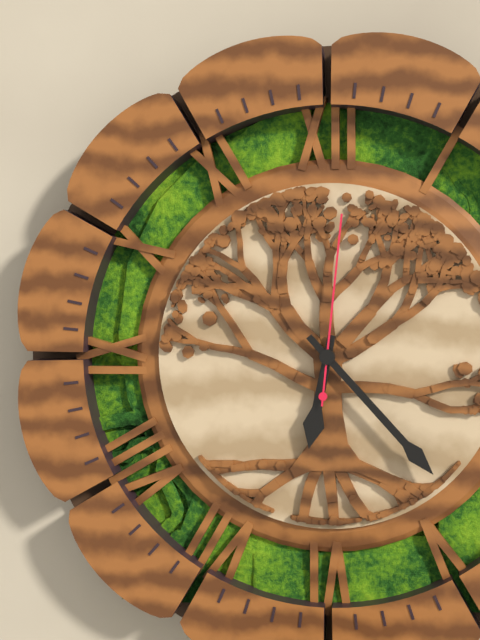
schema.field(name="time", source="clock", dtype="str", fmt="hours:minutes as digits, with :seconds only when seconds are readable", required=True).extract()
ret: 6:23:01
